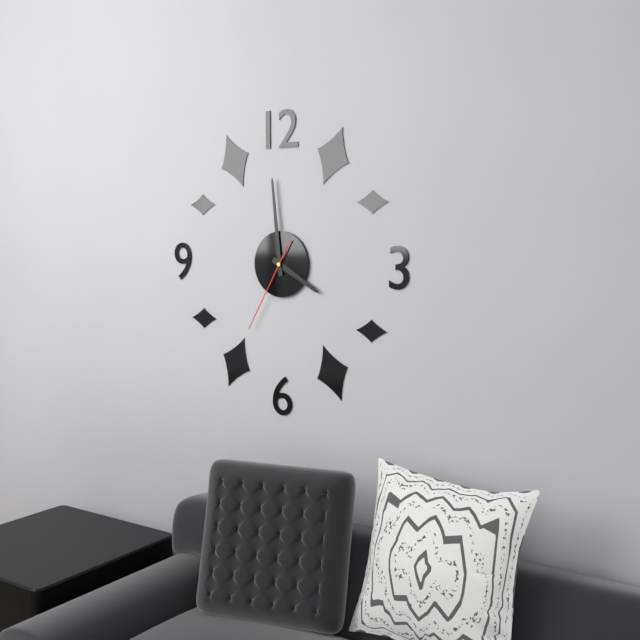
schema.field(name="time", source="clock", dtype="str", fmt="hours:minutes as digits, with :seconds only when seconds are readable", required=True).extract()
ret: 3:59:35
